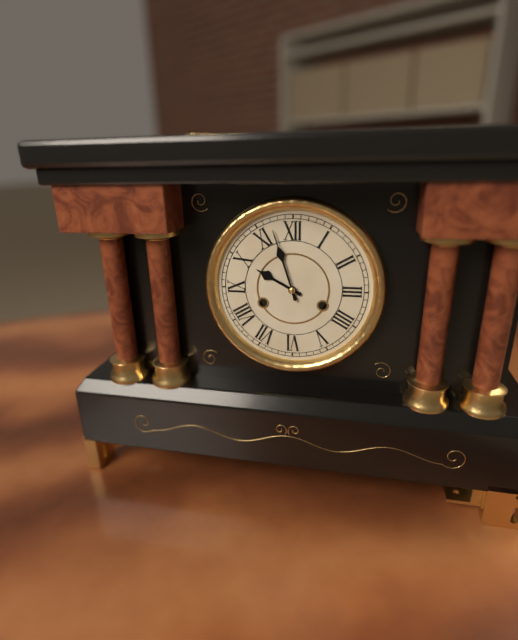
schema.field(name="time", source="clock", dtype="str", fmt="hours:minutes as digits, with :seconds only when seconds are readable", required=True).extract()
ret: 9:57
